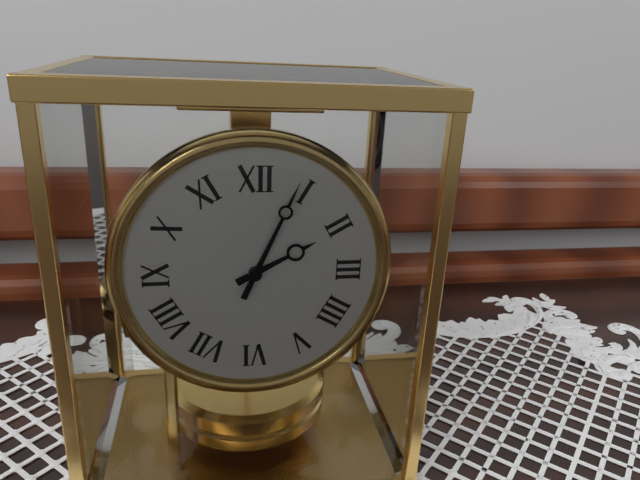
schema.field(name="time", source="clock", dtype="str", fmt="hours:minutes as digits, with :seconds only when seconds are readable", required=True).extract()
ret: 2:04
